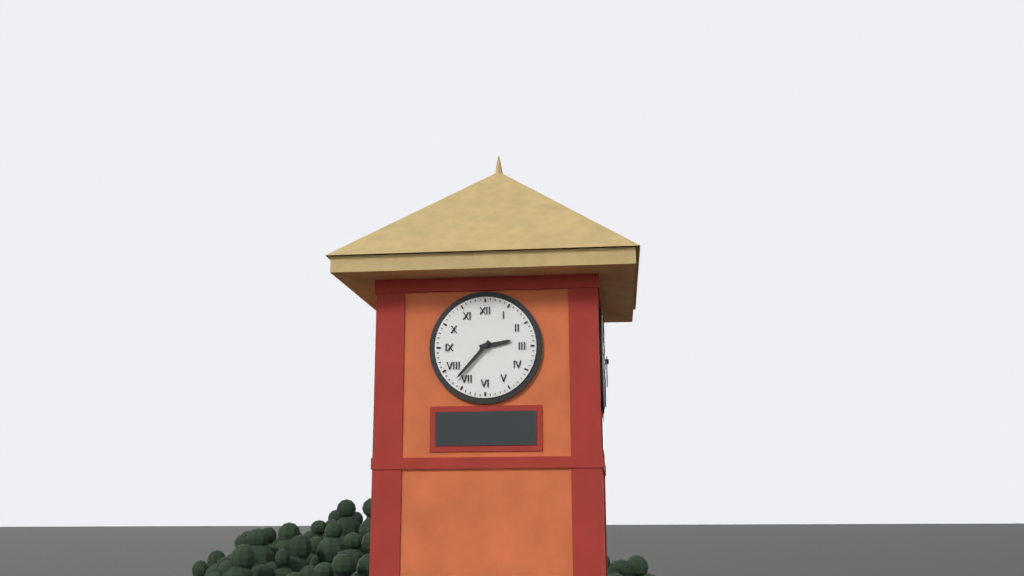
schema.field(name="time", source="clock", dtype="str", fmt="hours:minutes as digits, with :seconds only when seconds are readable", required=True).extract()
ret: 2:37
